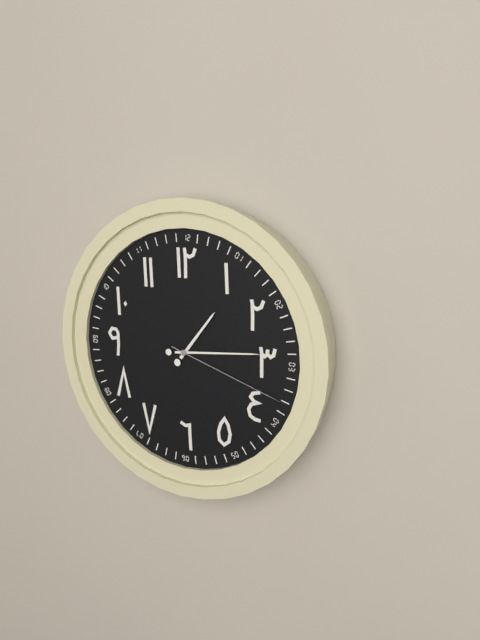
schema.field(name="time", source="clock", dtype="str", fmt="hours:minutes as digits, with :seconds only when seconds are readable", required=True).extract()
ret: 1:14:18
